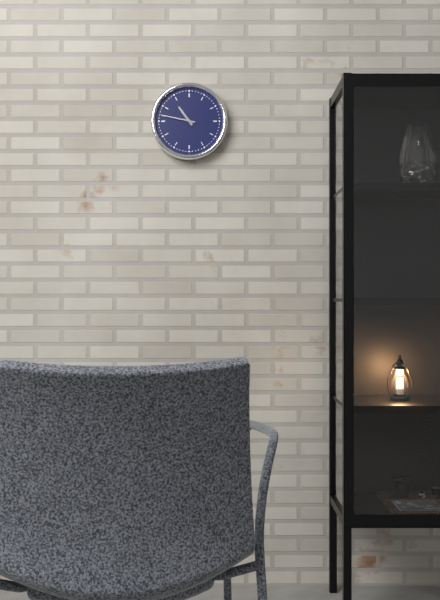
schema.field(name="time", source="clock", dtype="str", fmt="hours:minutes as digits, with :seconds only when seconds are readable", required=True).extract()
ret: 10:47
